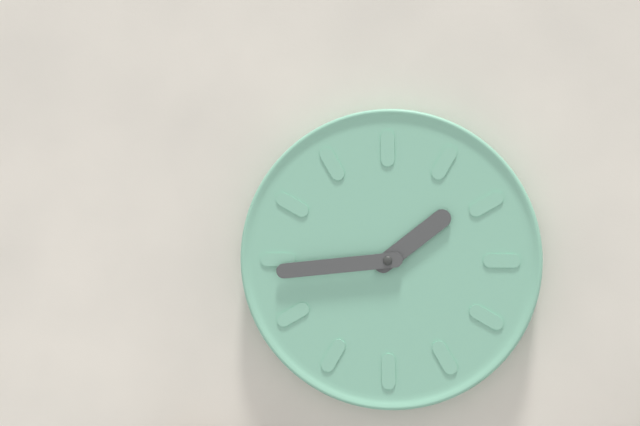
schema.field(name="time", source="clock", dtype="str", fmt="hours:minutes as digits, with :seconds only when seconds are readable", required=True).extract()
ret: 1:44
